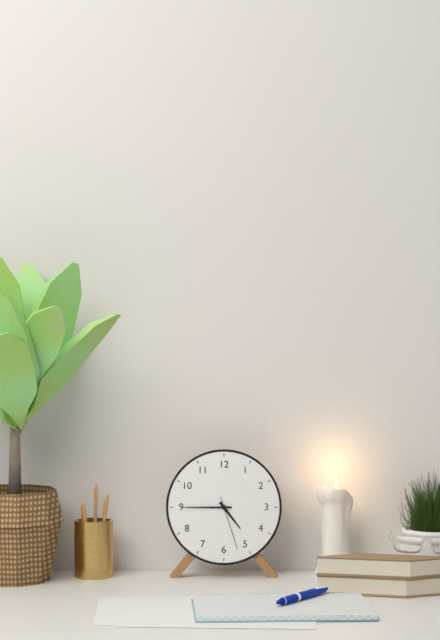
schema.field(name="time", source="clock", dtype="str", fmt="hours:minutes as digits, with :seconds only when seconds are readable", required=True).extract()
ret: 4:45:27
